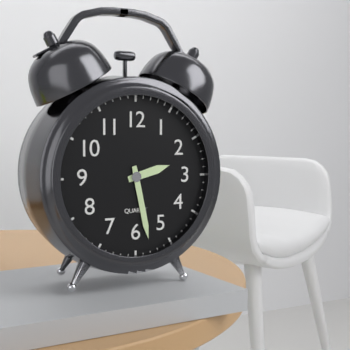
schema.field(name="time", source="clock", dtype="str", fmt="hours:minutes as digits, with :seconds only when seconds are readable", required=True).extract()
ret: 2:28
